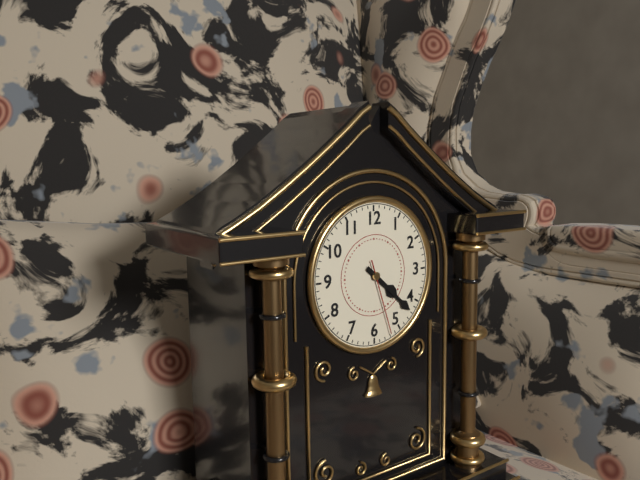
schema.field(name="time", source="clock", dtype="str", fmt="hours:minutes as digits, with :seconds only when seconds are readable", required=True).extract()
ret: 4:22:27
